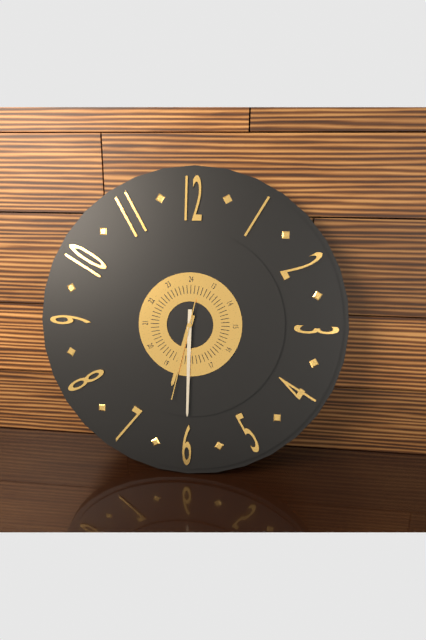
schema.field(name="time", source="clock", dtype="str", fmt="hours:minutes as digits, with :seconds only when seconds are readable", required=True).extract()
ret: 6:30:32
